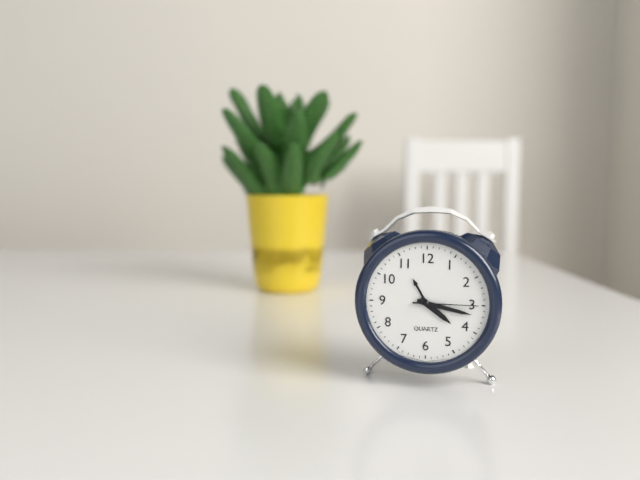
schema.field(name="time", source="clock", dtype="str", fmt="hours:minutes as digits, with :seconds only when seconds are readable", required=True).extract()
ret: 4:17:15
